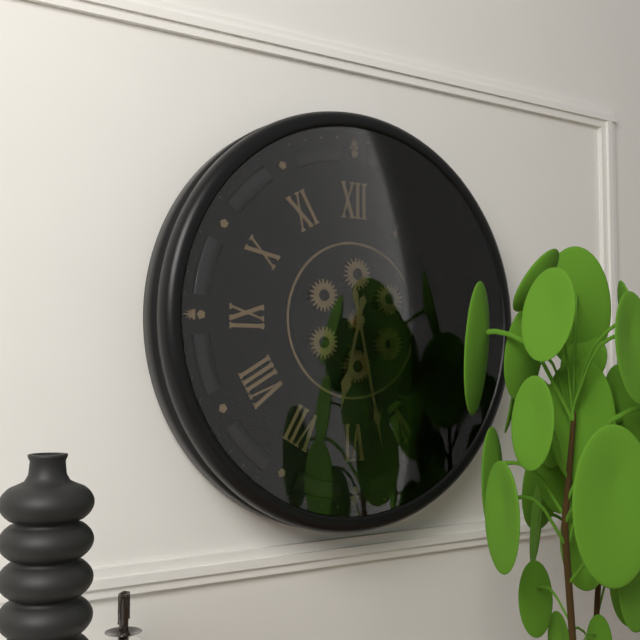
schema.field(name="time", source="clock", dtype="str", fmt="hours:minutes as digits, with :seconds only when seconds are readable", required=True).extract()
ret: 6:28
